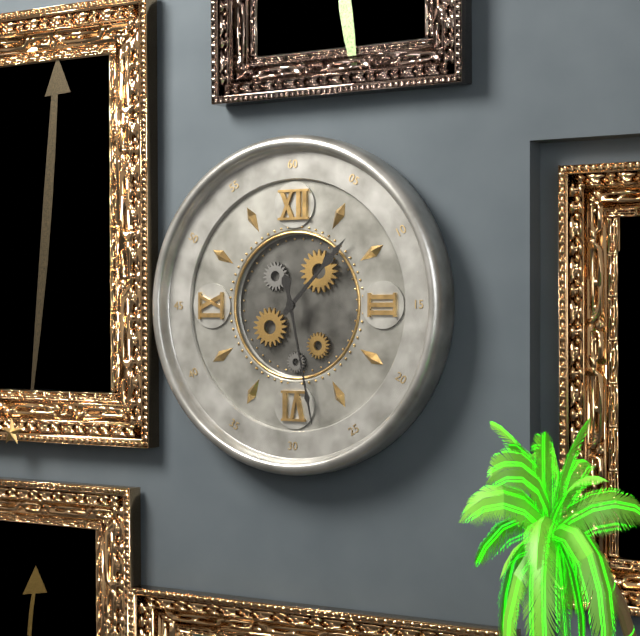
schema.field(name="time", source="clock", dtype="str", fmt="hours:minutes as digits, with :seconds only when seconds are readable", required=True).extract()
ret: 1:28
